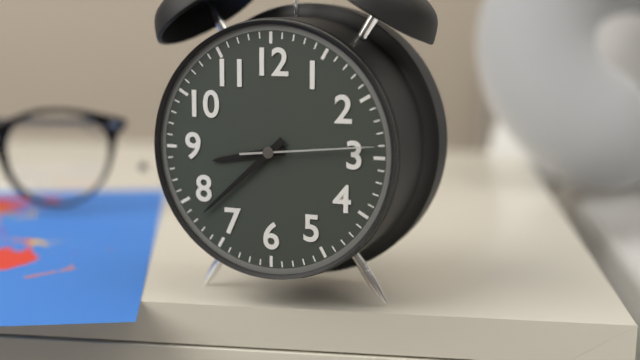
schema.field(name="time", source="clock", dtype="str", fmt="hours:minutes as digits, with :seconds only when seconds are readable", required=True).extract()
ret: 8:38:14
